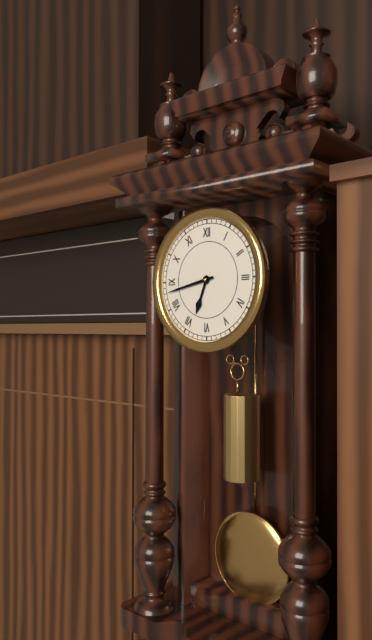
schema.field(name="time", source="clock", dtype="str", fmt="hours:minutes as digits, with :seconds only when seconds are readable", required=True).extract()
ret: 6:43
